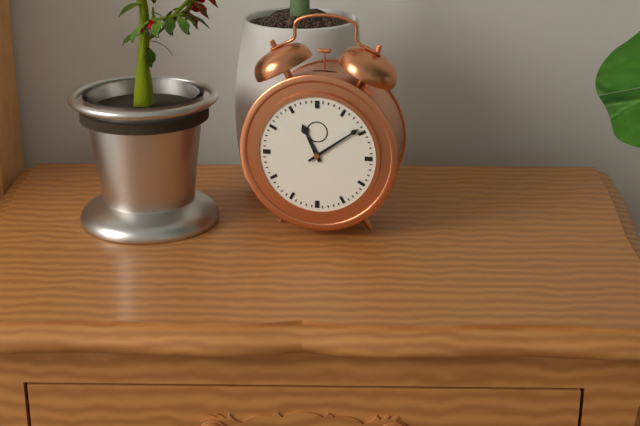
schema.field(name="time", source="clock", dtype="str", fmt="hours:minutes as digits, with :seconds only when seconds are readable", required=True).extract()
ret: 11:09
